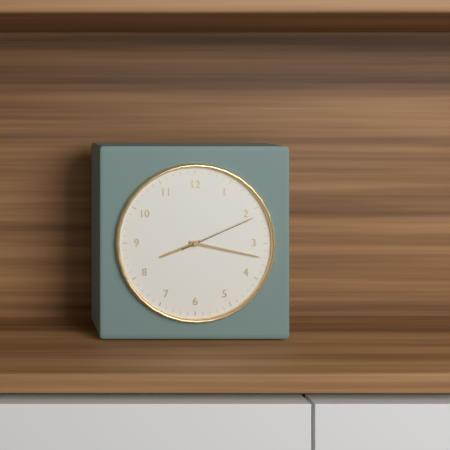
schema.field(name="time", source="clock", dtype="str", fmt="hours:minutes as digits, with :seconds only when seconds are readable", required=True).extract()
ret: 8:17:11
